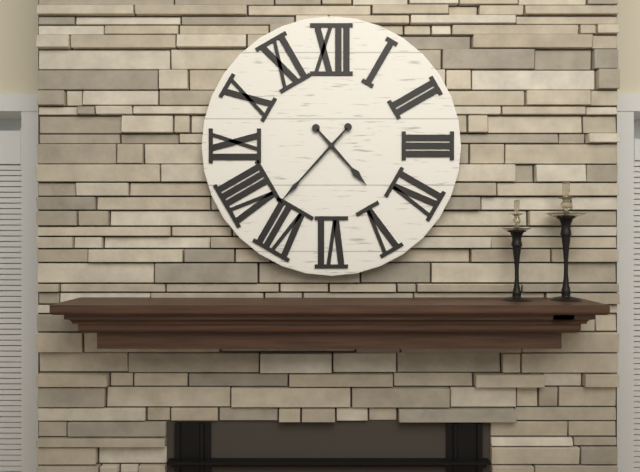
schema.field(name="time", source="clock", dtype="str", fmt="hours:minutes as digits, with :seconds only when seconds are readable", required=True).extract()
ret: 4:37
